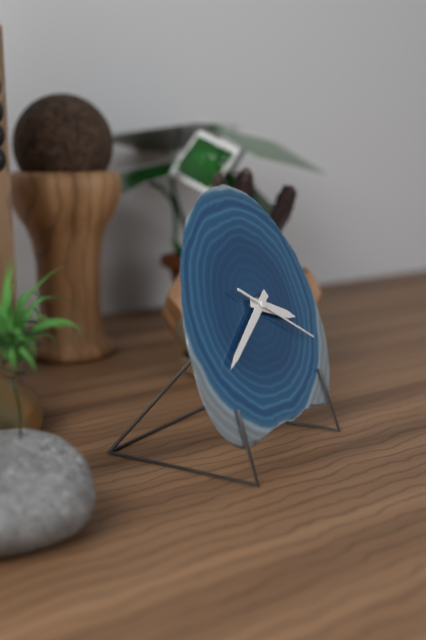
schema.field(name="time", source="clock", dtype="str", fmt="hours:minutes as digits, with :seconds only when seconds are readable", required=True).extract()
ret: 3:40:20
